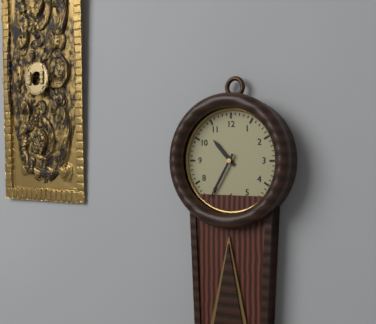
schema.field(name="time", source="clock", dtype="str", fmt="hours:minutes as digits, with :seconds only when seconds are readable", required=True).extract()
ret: 10:35
